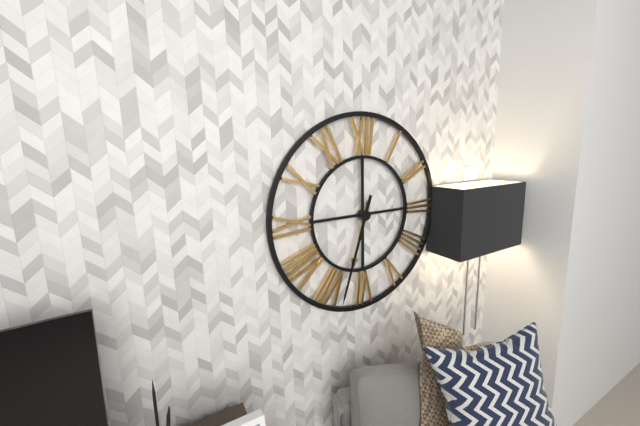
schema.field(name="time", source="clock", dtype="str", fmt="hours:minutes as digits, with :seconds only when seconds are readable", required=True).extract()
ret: 6:33
